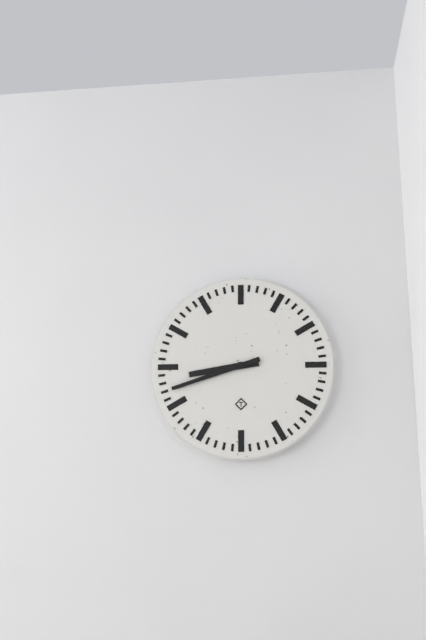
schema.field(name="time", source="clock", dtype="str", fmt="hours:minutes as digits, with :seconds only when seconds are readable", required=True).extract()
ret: 8:42
